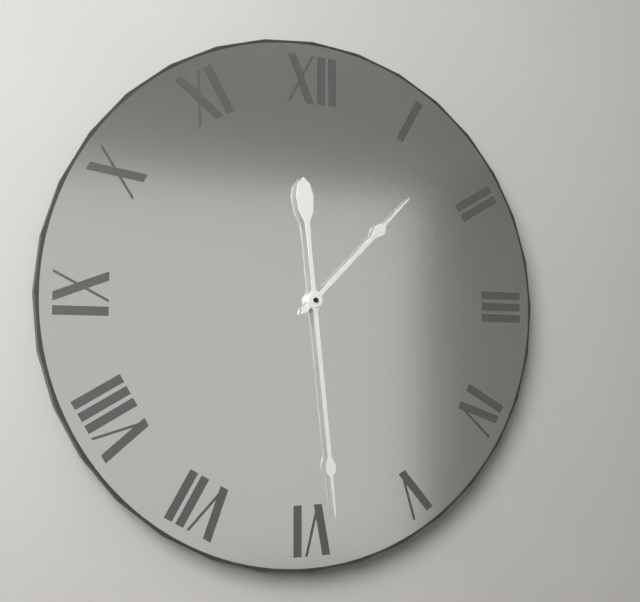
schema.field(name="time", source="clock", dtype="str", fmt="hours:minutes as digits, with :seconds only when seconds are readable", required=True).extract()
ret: 1:29
